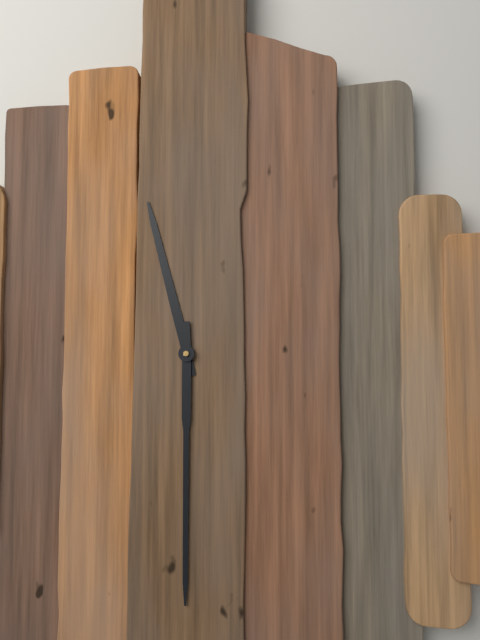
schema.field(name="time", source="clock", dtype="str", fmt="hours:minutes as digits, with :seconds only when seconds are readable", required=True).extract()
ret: 11:30
